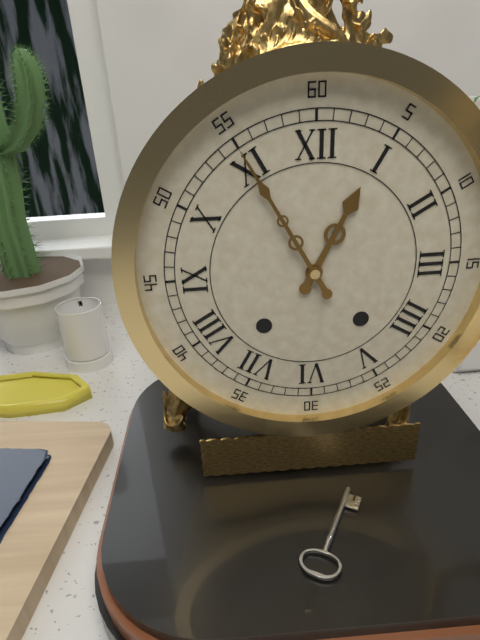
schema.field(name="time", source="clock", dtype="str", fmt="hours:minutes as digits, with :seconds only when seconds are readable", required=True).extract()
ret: 12:55
